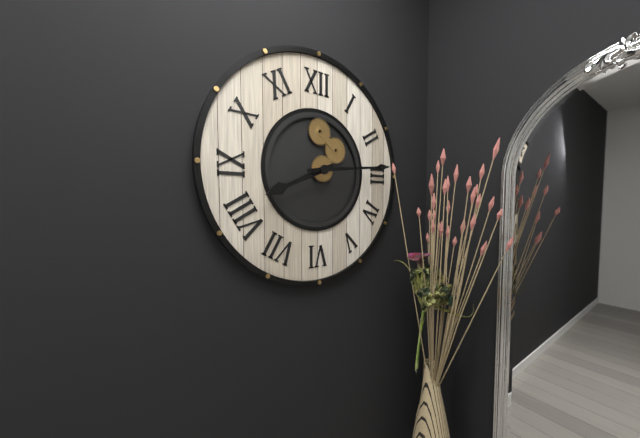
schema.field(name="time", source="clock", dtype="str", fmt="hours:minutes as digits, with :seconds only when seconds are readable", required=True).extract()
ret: 8:14
